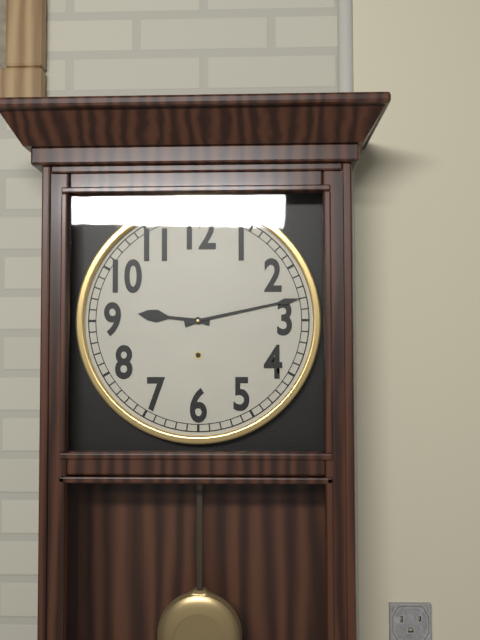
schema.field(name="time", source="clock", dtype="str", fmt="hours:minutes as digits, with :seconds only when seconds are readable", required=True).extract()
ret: 9:13
